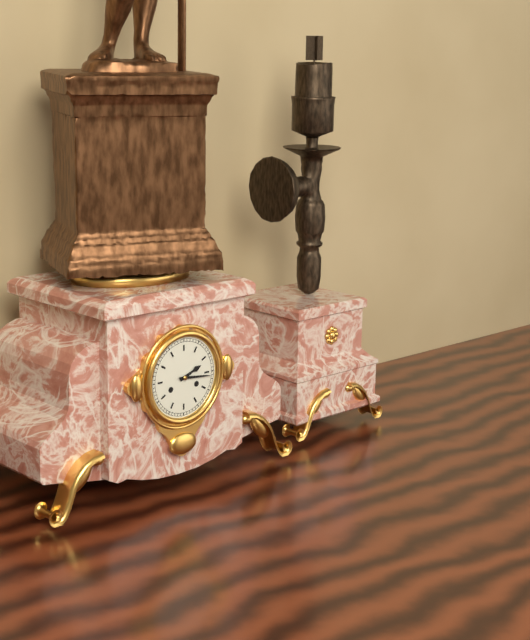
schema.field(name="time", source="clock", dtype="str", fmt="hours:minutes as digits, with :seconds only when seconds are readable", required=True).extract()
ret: 2:16
